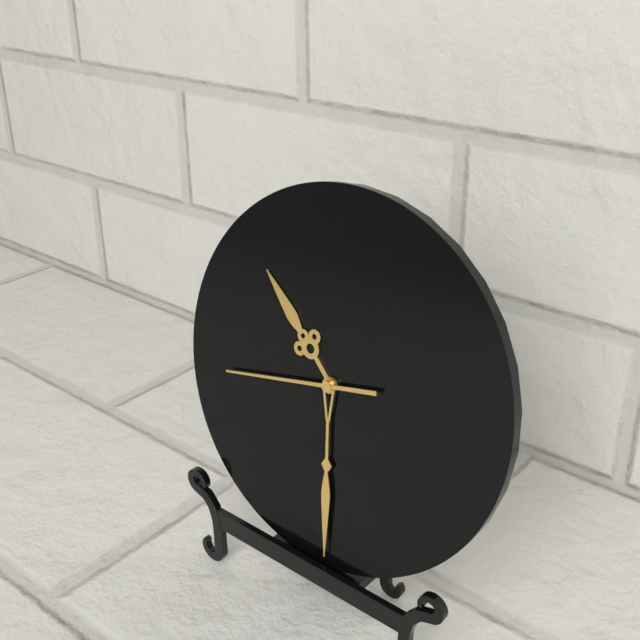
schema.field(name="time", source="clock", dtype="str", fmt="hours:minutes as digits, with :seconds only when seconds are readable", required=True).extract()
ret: 10:29:43
